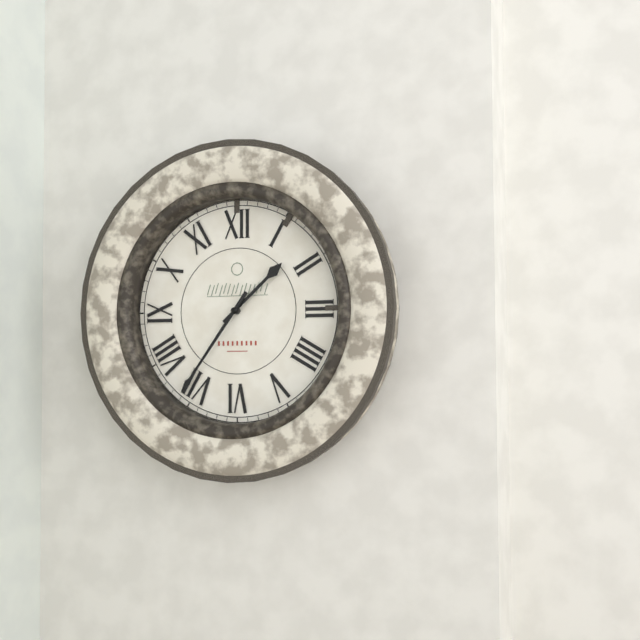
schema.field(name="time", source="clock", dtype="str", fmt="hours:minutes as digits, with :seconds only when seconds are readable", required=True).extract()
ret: 1:36
